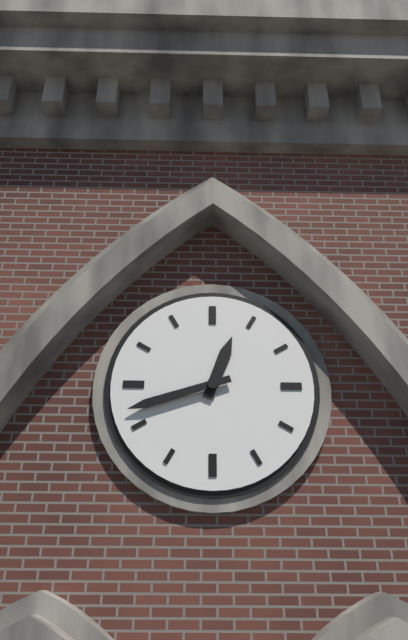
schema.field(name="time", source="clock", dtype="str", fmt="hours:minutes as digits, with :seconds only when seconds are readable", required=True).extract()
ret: 12:42
